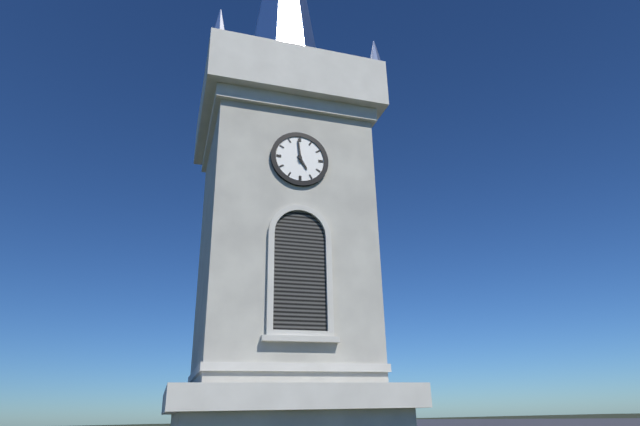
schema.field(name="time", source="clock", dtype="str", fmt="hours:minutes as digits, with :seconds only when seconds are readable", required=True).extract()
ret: 4:59
